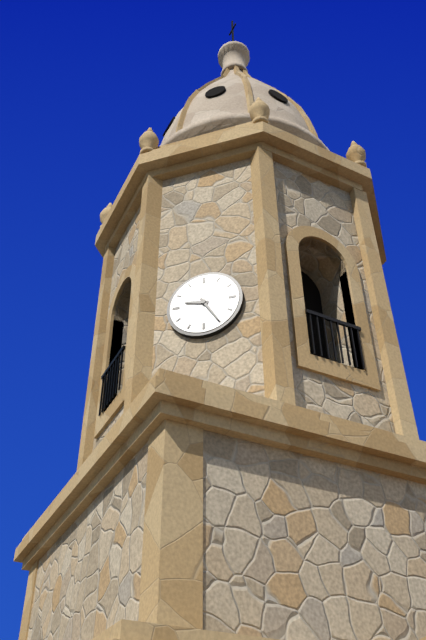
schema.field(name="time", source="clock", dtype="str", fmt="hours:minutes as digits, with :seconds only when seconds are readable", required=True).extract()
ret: 9:25
